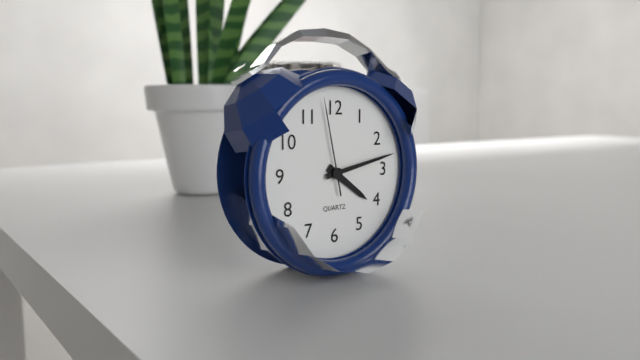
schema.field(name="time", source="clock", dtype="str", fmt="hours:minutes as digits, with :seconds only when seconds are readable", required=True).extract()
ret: 4:13:58
